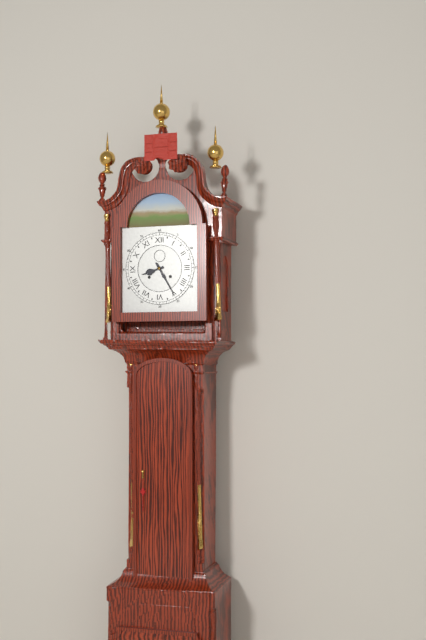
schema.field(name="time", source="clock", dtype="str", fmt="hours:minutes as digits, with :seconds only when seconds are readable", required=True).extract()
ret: 8:25
